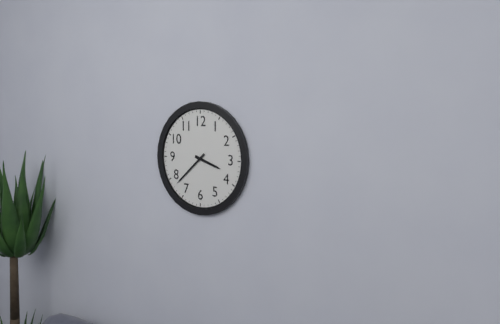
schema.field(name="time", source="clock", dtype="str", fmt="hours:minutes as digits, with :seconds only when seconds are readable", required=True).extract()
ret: 3:38
